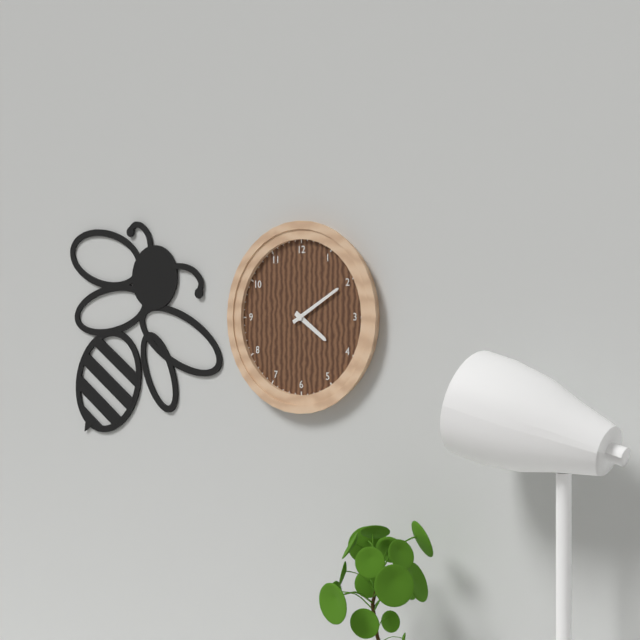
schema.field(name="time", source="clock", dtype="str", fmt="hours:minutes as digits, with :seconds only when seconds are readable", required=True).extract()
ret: 4:10
